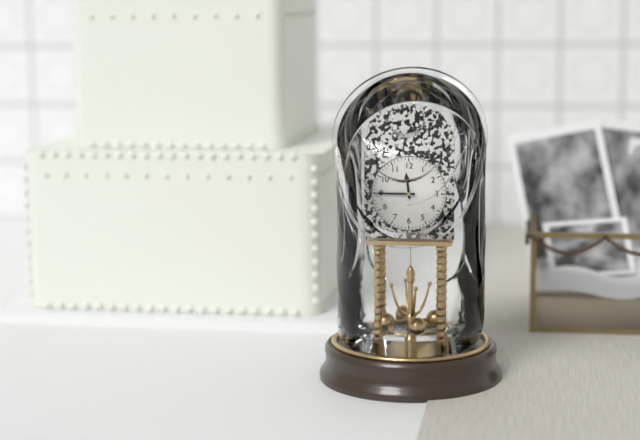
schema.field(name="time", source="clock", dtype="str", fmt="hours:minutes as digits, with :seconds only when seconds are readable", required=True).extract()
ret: 11:45
